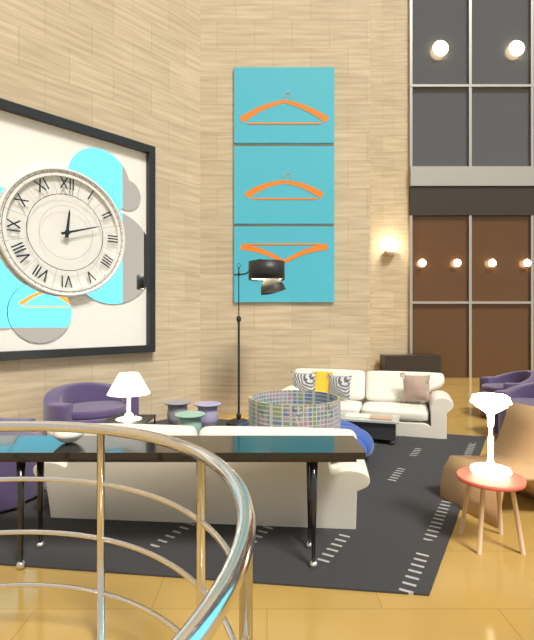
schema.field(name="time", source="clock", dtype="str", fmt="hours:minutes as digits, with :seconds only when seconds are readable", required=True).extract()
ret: 12:12
